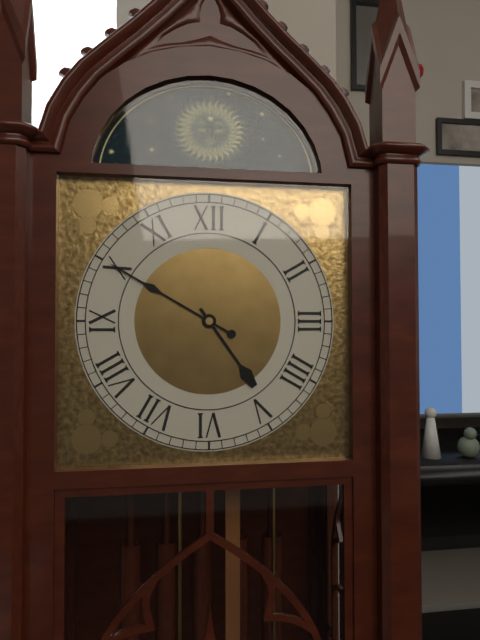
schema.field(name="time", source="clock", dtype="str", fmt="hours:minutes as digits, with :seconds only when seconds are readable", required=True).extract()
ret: 4:50
